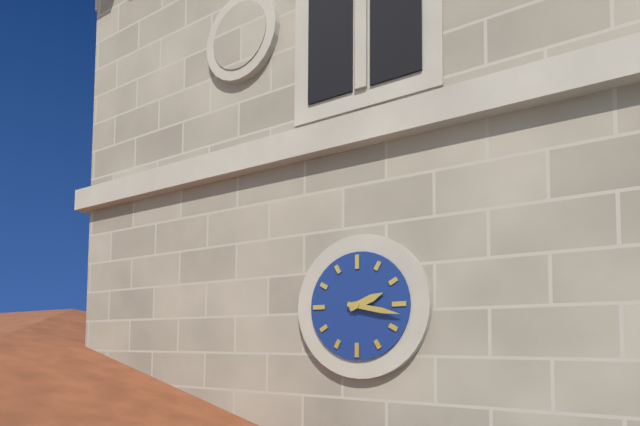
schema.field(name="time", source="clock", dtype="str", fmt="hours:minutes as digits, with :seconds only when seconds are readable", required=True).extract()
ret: 2:17
